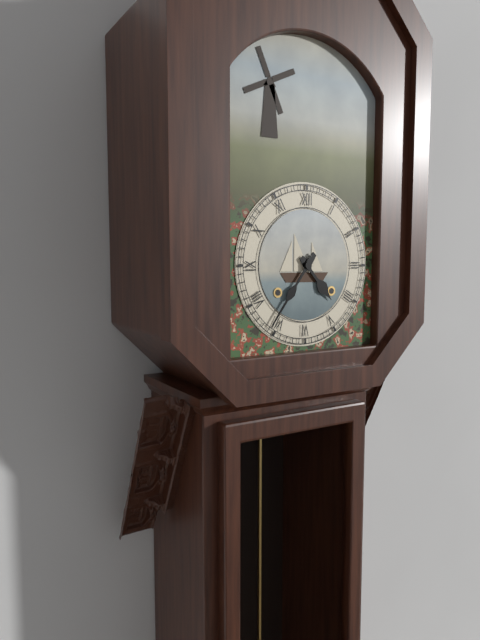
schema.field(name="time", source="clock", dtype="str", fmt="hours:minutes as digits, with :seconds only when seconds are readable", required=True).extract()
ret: 4:36
